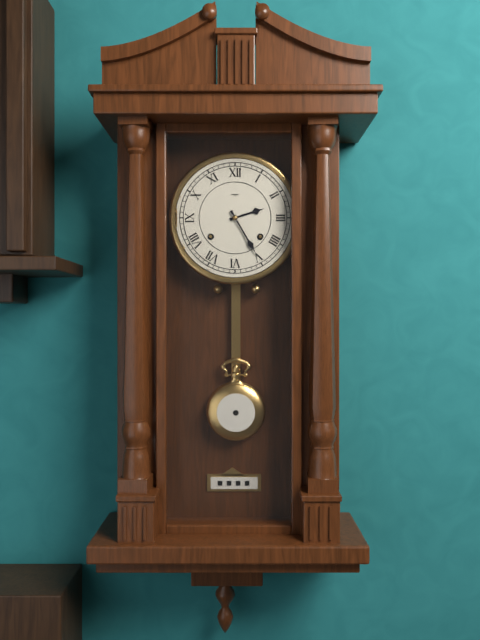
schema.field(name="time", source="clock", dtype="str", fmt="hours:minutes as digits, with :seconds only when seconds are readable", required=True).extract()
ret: 2:25
